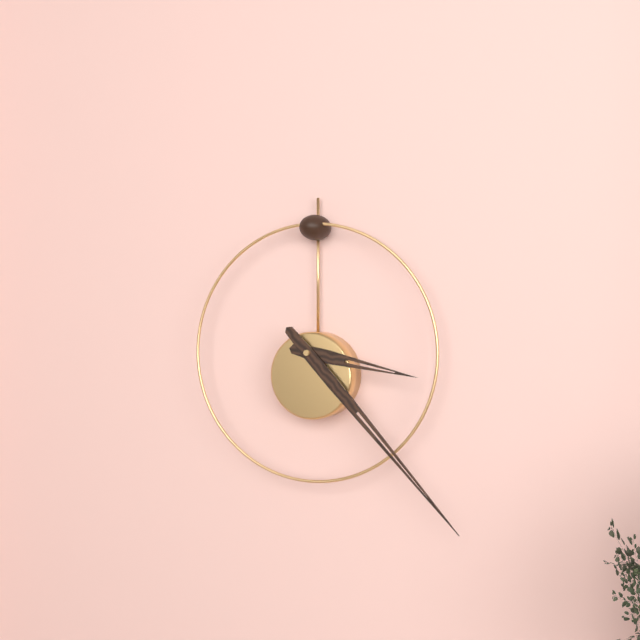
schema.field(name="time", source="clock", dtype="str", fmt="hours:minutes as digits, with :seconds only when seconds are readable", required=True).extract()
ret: 3:23
